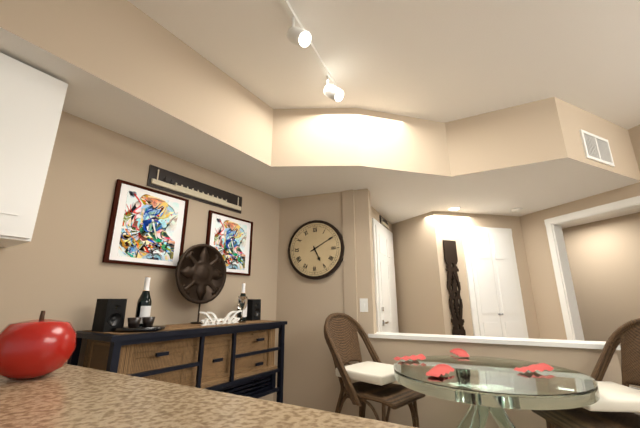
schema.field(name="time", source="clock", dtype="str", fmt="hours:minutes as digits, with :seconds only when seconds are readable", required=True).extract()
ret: 5:10
